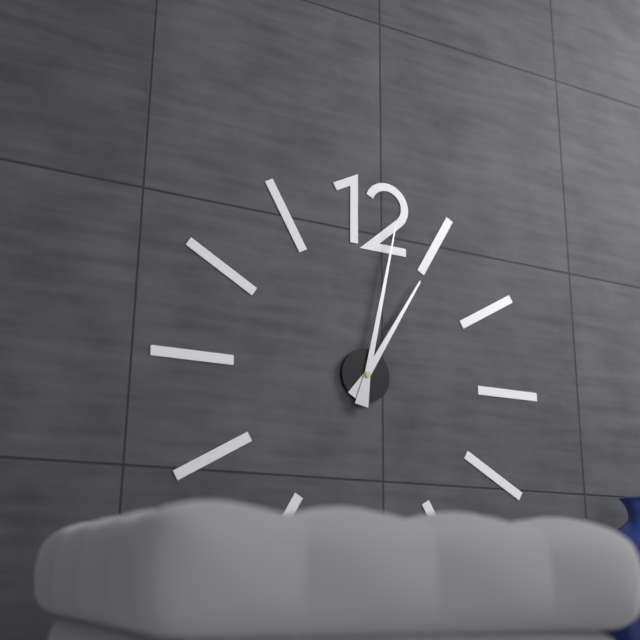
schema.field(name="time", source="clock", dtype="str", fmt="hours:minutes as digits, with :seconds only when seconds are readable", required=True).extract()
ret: 1:02
